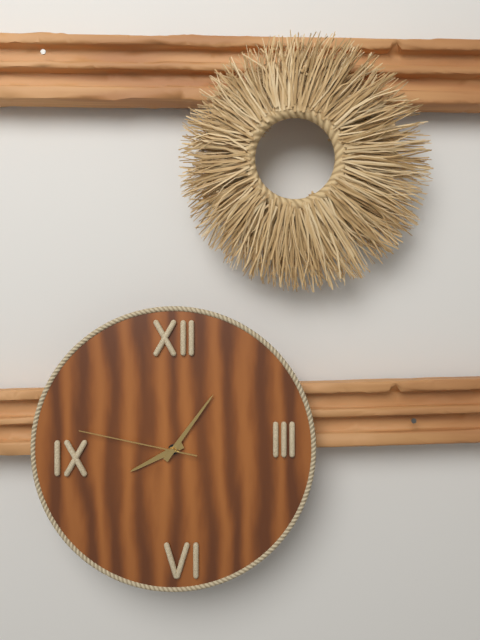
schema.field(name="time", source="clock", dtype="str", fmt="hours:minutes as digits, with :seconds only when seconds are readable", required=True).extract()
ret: 8:06:47
